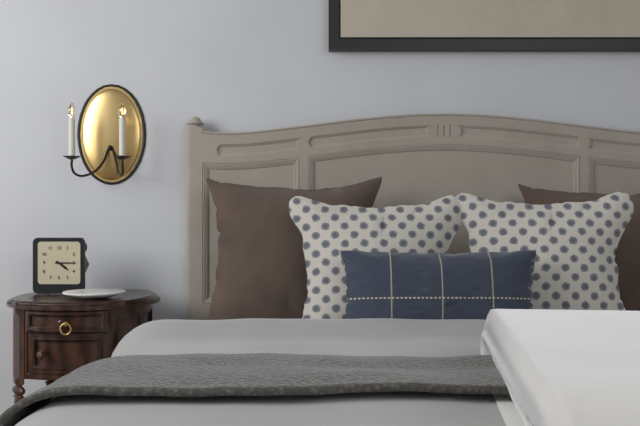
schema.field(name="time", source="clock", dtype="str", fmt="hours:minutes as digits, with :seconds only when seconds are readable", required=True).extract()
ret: 4:15
